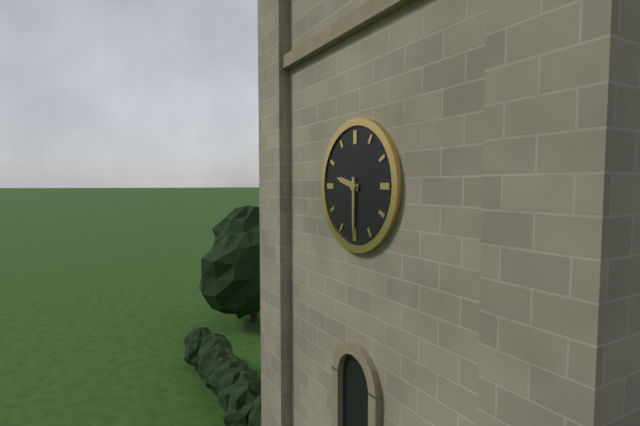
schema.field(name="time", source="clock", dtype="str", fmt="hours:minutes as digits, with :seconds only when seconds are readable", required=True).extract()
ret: 9:30
